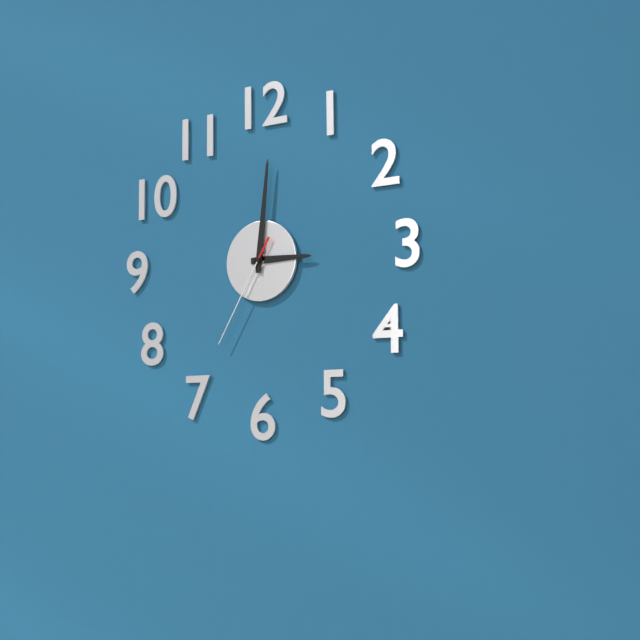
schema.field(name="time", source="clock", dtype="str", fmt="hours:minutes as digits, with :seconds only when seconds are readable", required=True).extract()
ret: 3:01:35
